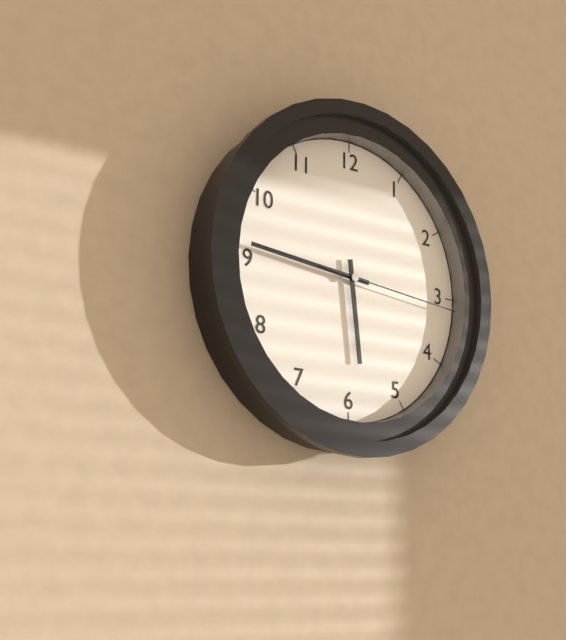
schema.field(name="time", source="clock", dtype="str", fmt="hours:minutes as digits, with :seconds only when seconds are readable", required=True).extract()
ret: 5:46:16
